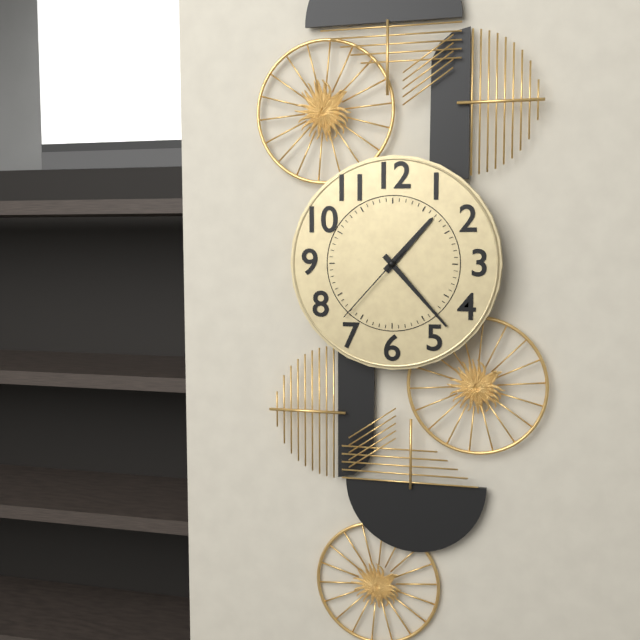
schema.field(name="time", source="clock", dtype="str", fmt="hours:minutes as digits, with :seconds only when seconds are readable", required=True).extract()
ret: 1:23:37
